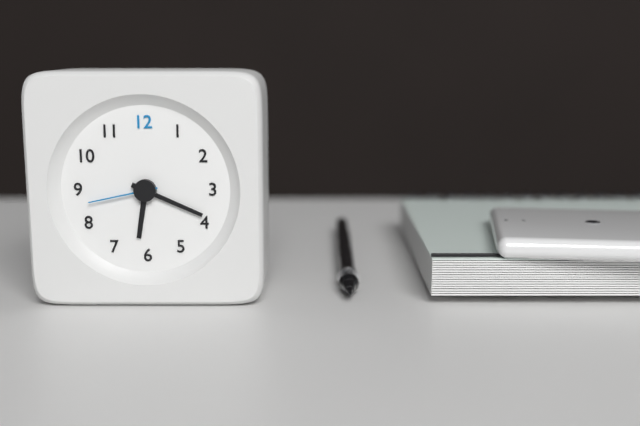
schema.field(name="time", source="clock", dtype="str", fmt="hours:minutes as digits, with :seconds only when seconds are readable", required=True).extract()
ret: 6:19:43
